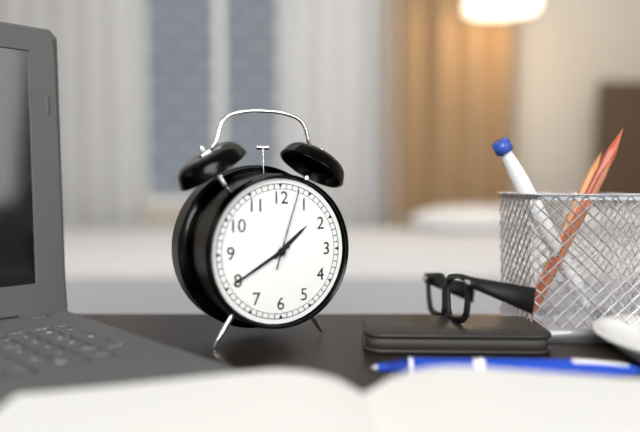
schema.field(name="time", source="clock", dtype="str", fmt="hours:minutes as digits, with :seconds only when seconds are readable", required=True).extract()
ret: 1:40:03
